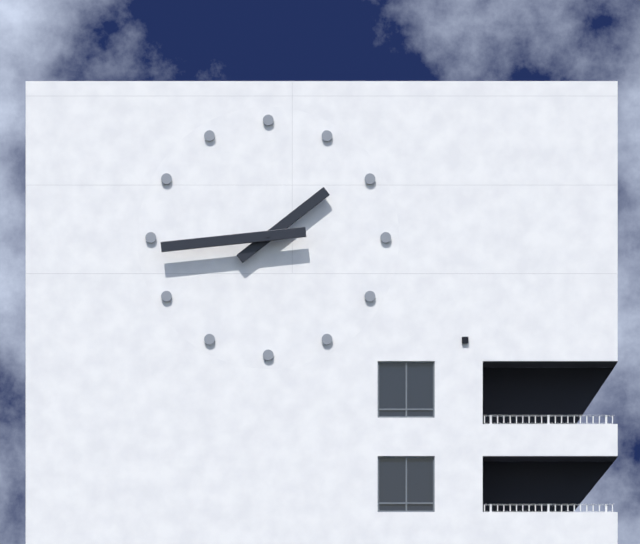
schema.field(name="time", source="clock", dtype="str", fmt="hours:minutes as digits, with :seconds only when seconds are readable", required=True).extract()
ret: 1:44
